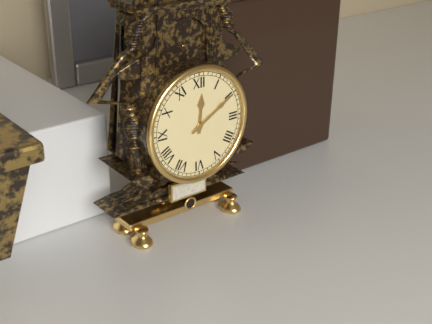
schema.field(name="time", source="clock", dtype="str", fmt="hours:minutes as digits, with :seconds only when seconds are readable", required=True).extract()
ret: 12:10
